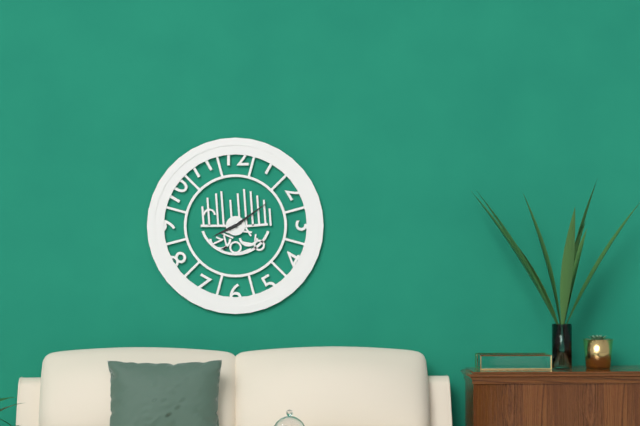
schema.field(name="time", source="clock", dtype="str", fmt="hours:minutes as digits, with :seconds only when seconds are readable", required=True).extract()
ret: 8:09
